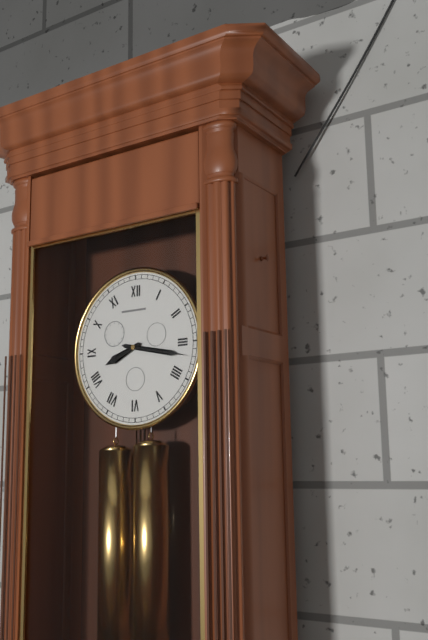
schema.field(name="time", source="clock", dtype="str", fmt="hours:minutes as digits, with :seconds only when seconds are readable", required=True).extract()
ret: 8:17
